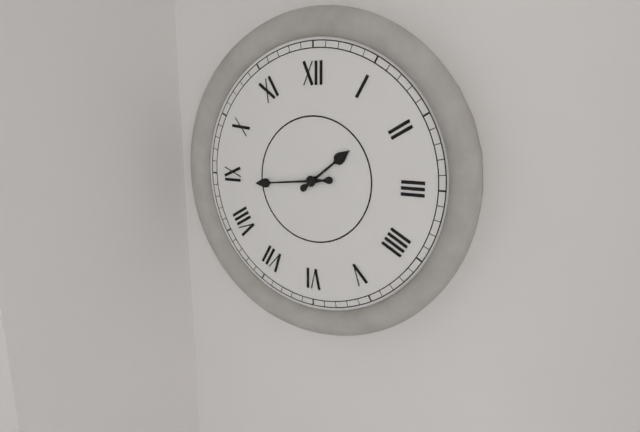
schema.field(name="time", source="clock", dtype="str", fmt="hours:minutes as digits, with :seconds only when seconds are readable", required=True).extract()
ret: 1:44
